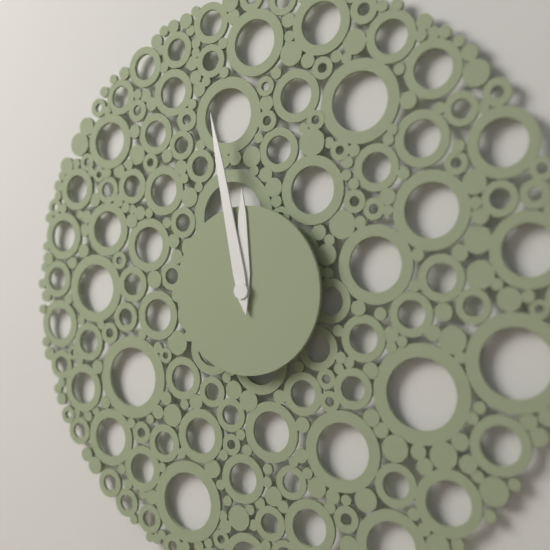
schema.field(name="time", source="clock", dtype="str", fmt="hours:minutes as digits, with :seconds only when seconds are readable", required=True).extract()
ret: 11:58
